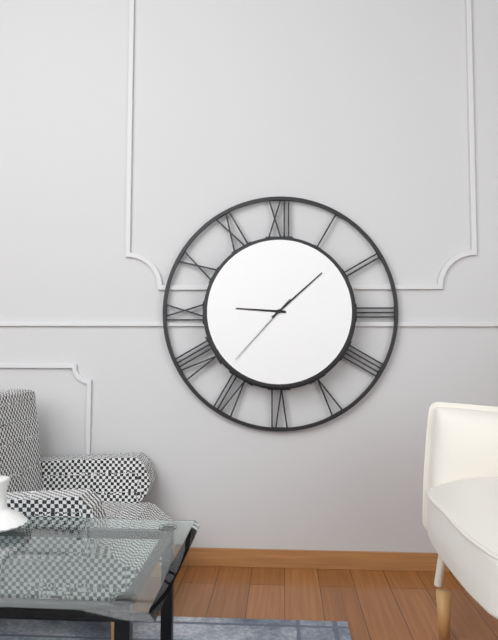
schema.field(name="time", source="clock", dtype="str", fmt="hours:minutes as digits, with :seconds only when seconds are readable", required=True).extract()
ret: 9:08:37
